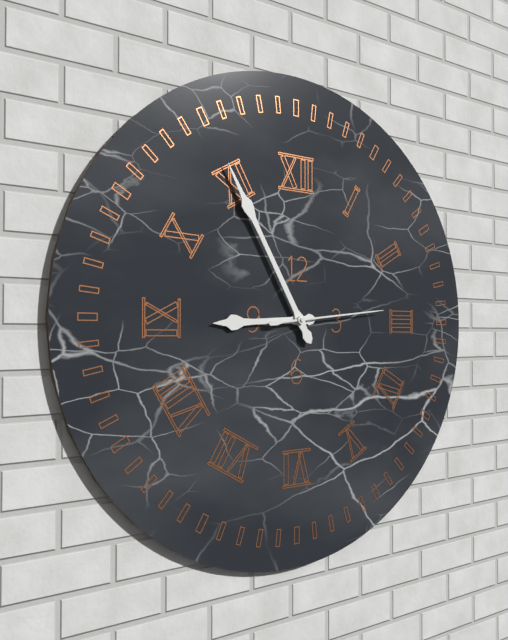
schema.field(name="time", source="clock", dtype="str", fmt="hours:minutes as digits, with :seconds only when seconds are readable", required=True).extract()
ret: 8:55:14
